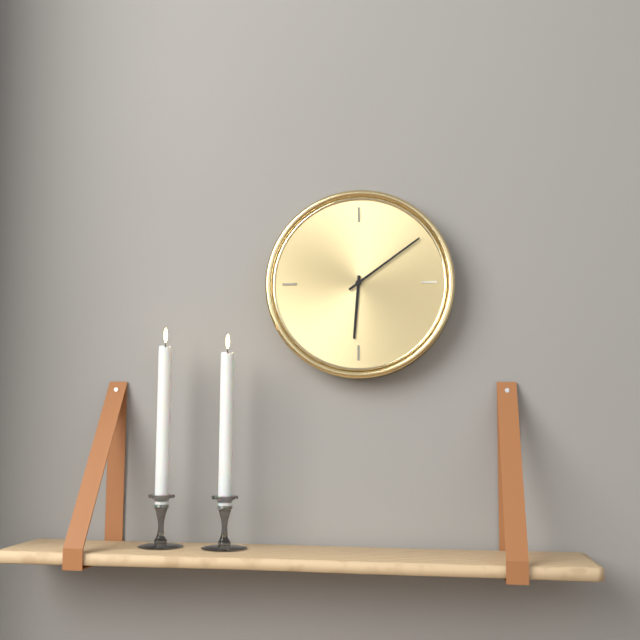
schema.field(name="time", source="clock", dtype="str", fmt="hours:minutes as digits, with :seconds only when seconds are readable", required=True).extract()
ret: 6:09
